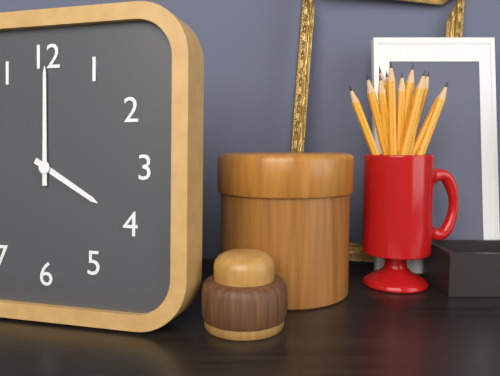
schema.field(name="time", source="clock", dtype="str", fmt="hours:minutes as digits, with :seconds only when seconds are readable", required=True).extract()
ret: 4:00
